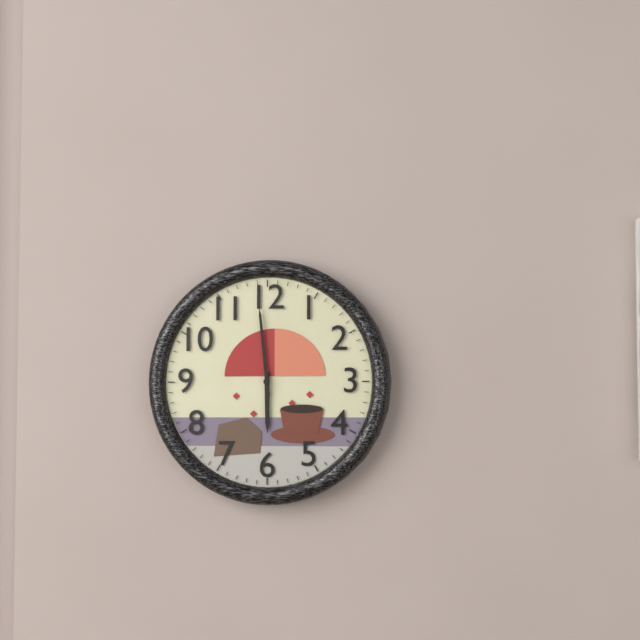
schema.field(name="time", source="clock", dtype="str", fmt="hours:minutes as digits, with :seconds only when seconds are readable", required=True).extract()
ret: 5:59
